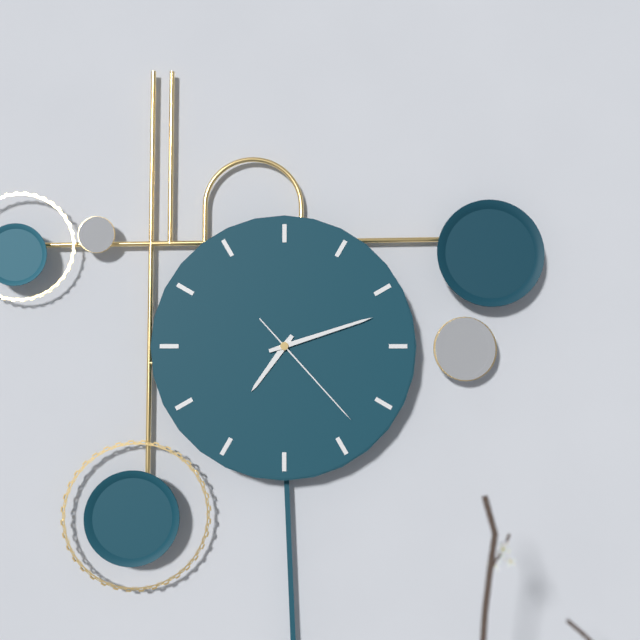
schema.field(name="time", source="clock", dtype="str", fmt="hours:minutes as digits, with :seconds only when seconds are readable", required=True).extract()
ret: 7:12:23
